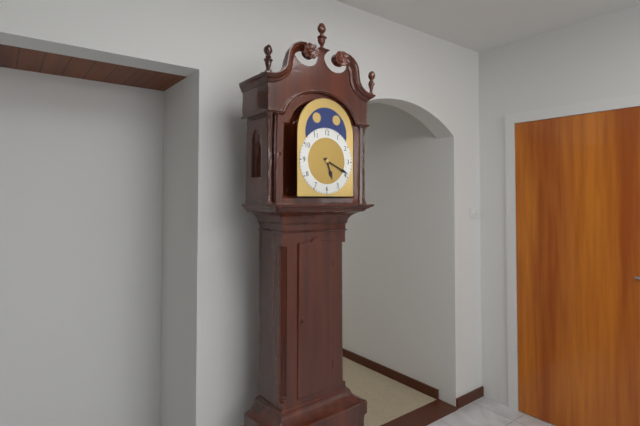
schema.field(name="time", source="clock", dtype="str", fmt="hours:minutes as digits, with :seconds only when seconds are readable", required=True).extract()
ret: 5:19
